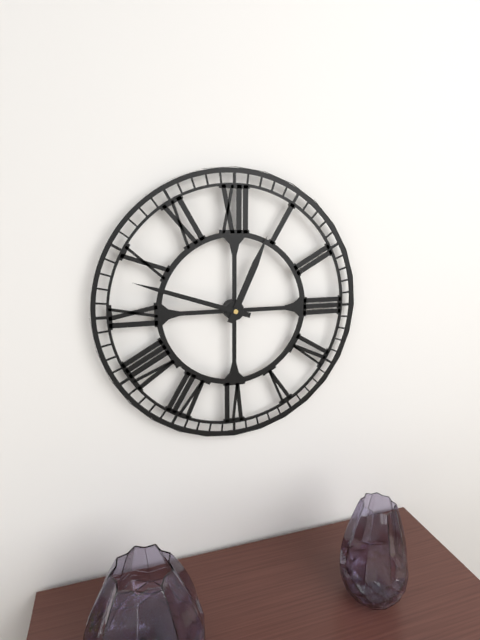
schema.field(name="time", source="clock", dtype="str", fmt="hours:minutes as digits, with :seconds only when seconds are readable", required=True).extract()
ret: 12:48
